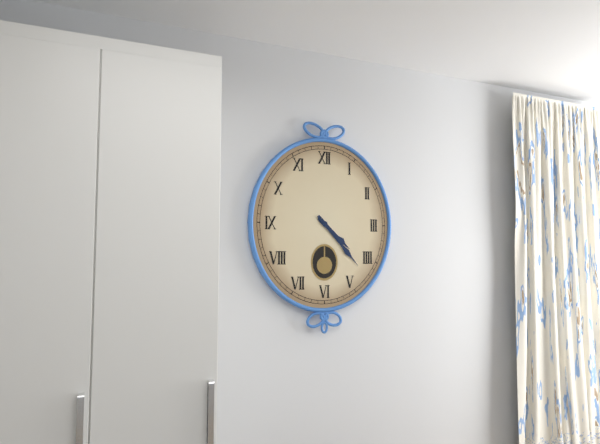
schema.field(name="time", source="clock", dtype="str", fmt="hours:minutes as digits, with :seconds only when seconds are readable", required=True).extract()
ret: 4:23
